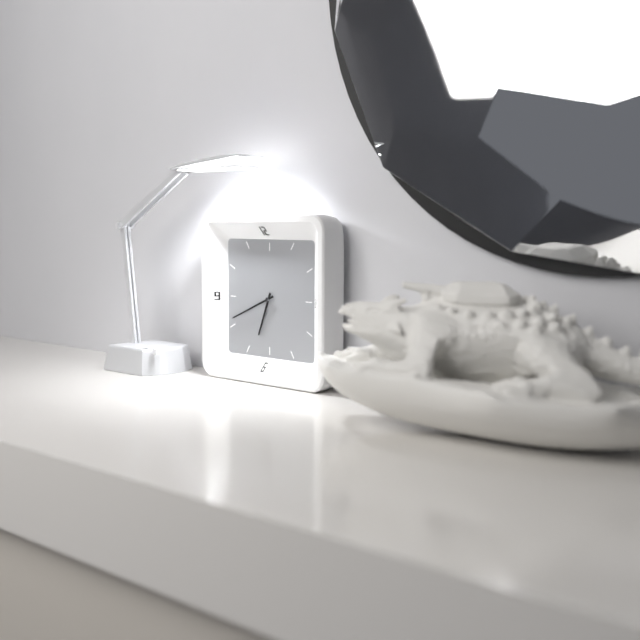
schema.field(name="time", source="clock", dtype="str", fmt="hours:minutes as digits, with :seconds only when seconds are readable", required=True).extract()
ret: 6:41
